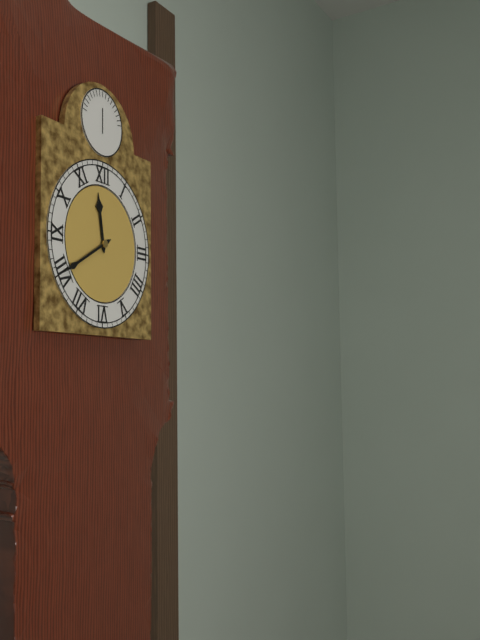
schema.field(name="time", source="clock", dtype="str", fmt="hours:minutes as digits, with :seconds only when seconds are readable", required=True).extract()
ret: 11:40
